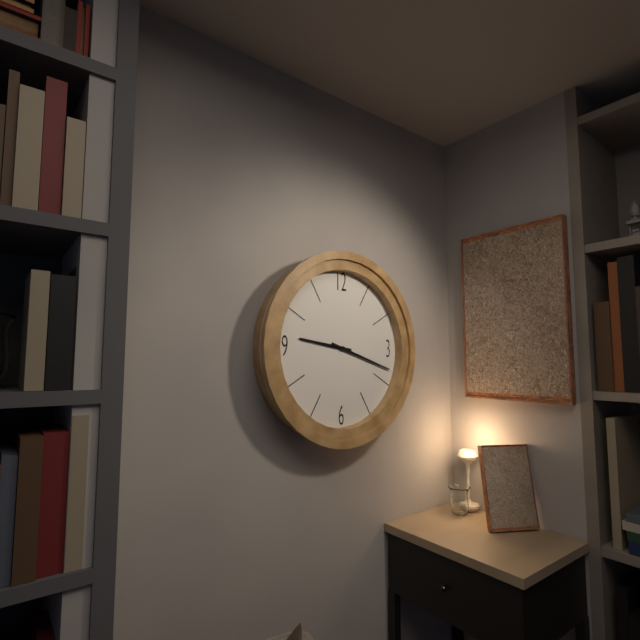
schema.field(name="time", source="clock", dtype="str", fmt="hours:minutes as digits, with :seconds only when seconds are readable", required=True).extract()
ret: 9:18
